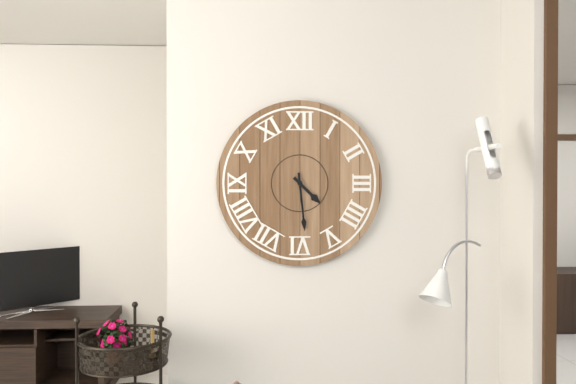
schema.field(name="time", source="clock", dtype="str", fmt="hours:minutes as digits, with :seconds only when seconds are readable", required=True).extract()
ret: 4:29
